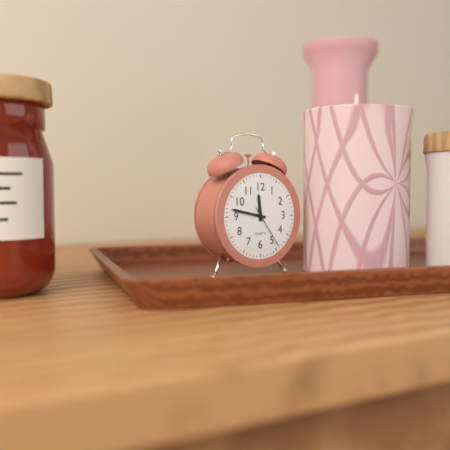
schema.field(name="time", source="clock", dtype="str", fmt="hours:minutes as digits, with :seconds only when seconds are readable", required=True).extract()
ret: 11:47
